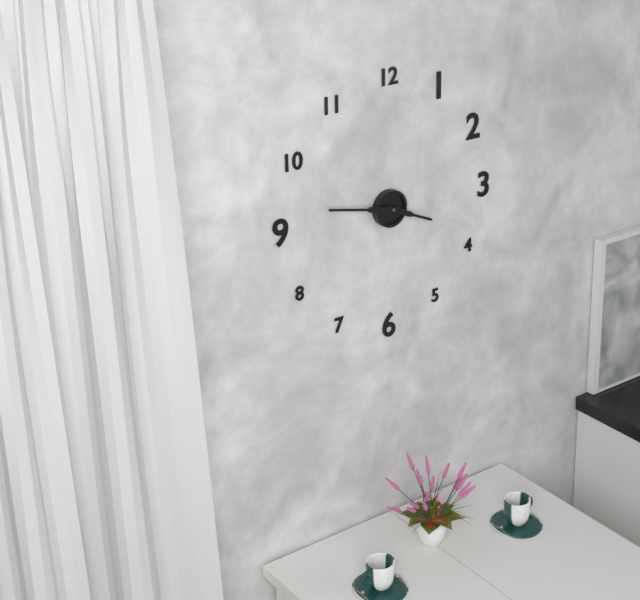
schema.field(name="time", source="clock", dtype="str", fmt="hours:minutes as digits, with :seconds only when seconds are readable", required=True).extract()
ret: 3:47
